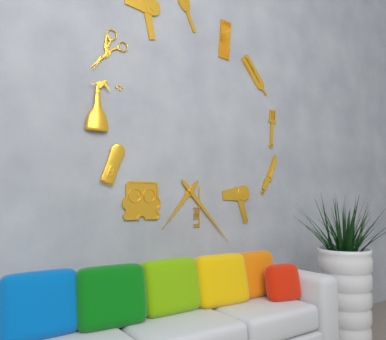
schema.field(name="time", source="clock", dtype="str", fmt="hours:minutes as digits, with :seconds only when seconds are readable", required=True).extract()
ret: 7:23
